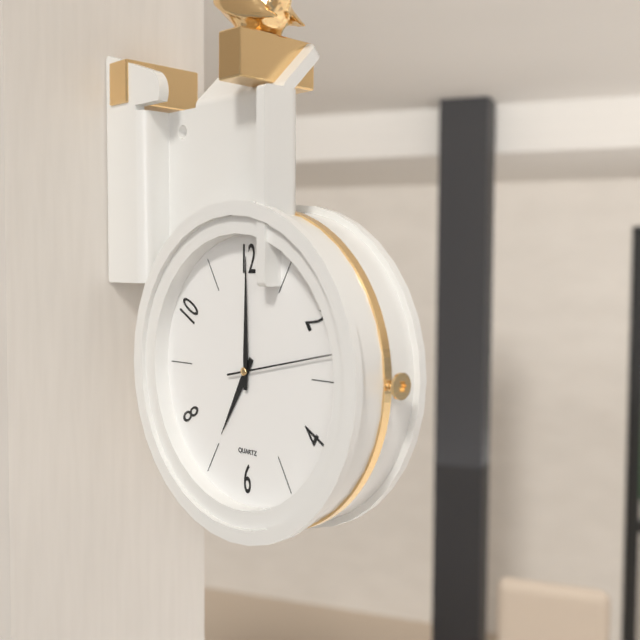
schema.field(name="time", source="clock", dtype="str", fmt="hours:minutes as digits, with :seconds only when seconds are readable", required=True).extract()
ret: 7:00:13
